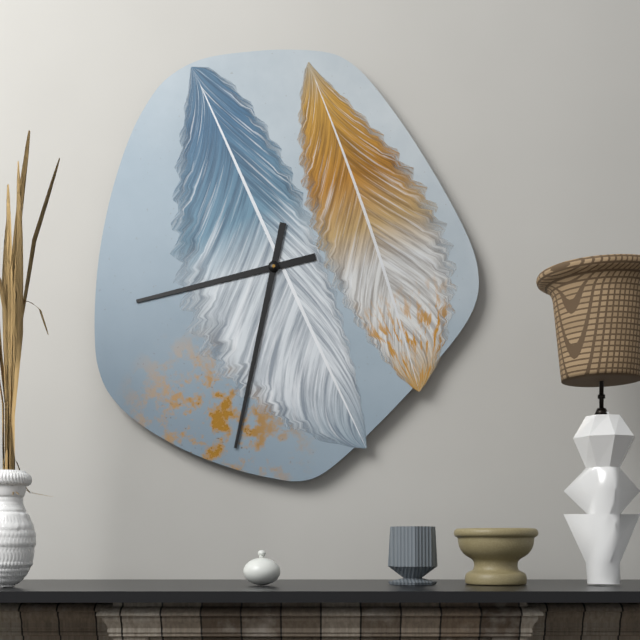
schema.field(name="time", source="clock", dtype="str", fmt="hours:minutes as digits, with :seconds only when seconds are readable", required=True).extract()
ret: 8:32
